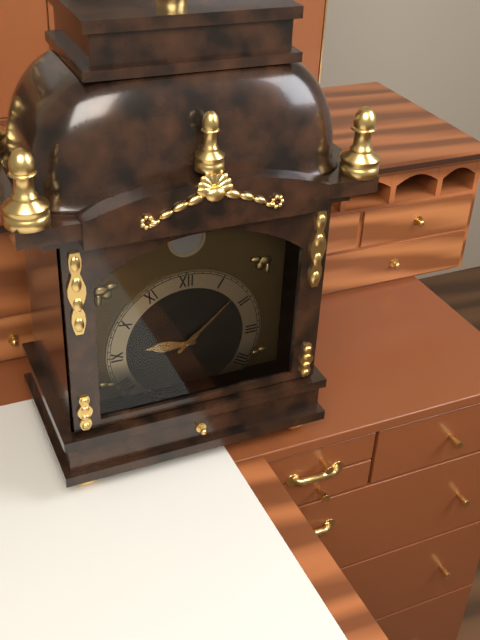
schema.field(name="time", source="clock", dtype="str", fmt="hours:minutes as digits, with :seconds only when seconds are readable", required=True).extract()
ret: 9:08
